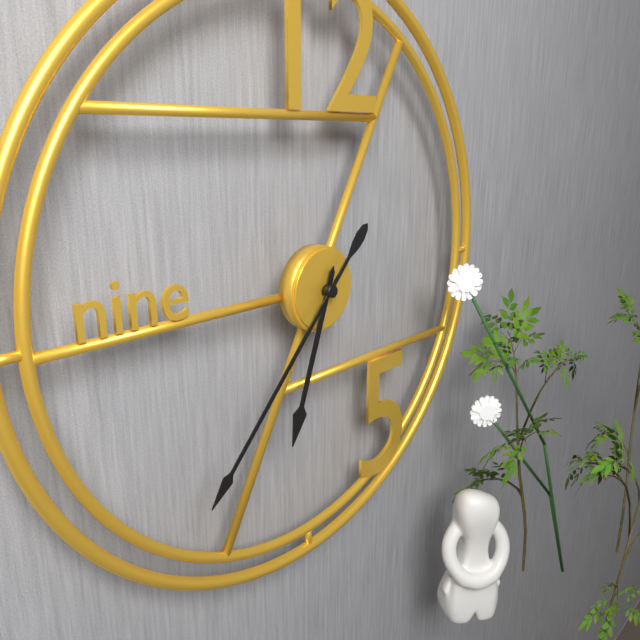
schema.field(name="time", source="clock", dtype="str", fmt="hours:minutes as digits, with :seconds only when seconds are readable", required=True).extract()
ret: 6:37
